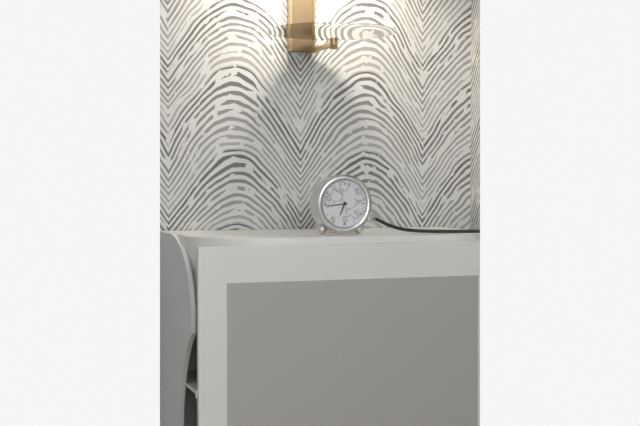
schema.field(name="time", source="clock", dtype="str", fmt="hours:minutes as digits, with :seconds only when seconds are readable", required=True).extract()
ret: 6:44
